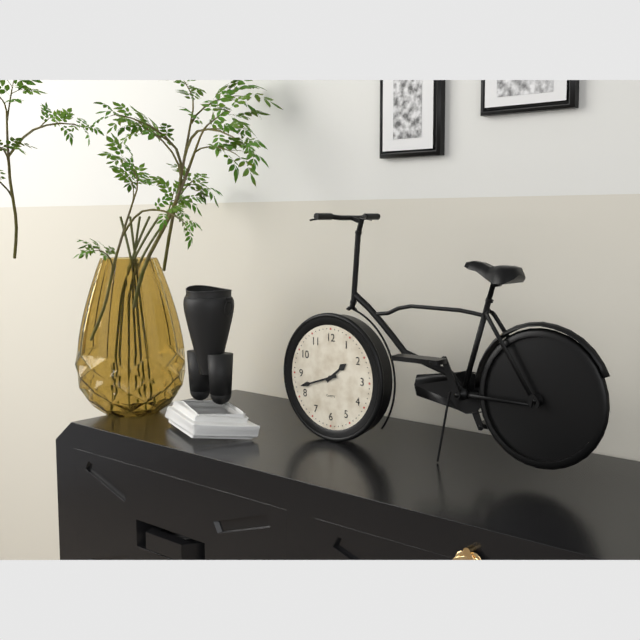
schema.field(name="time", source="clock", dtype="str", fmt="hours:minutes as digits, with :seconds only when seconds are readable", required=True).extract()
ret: 1:42
